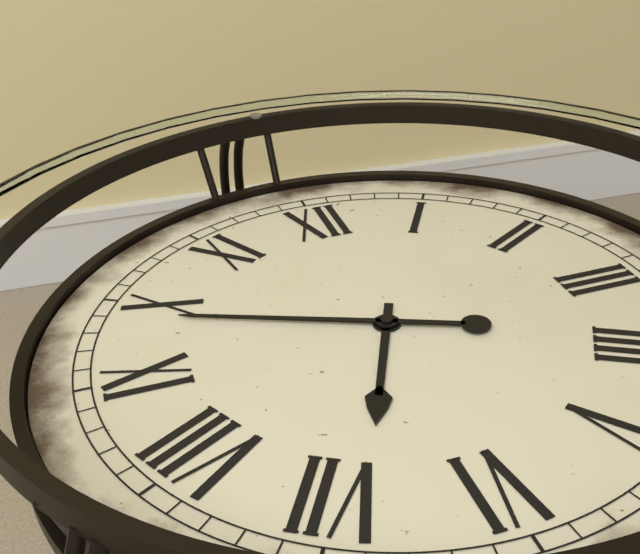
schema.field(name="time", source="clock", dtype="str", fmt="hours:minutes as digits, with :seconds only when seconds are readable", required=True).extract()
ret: 6:49
